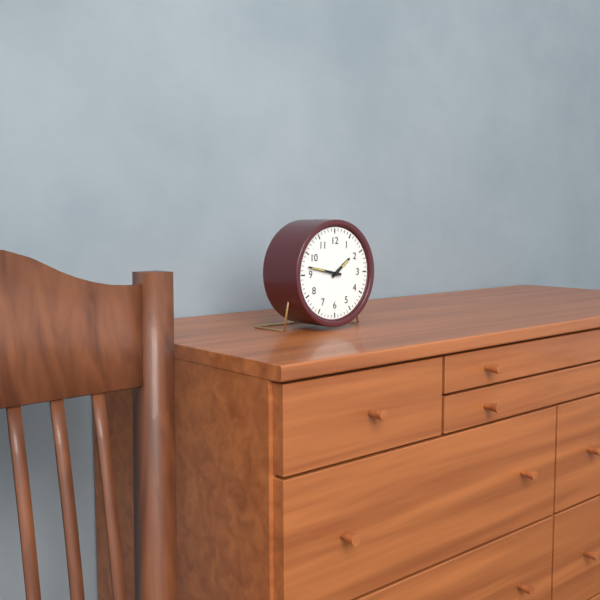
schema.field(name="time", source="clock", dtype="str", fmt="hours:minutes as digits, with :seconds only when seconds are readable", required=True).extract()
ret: 1:47
